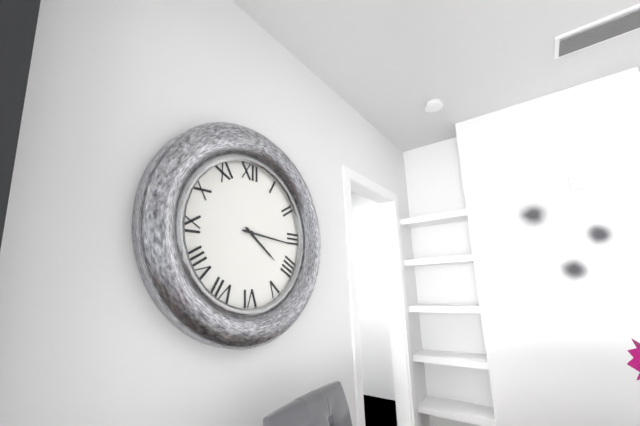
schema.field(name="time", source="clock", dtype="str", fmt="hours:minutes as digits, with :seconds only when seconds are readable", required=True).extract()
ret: 4:16
